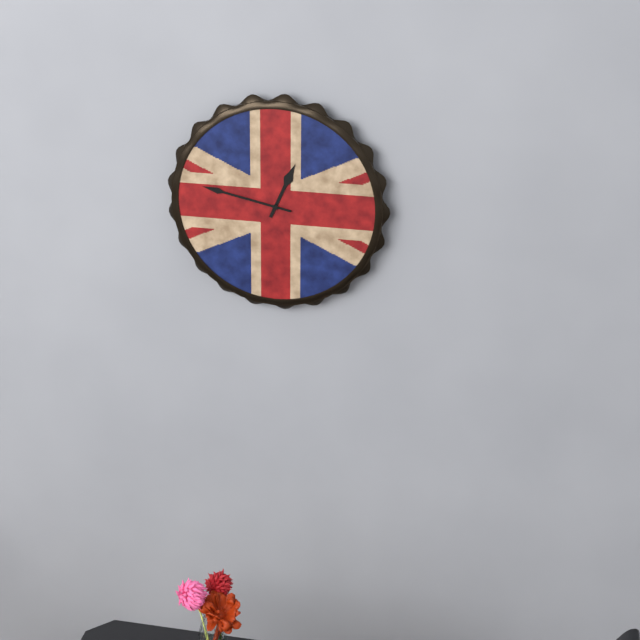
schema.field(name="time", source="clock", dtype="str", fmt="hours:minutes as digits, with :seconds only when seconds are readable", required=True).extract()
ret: 12:47
